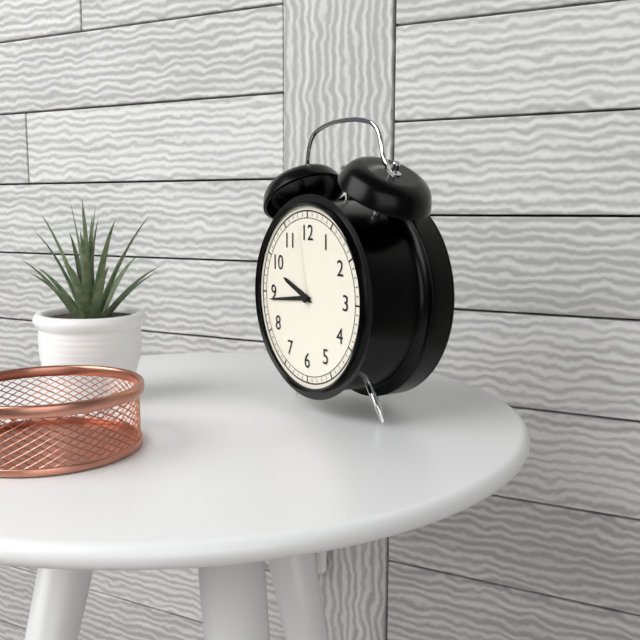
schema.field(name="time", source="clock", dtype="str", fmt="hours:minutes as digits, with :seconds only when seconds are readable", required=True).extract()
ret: 9:44:58
